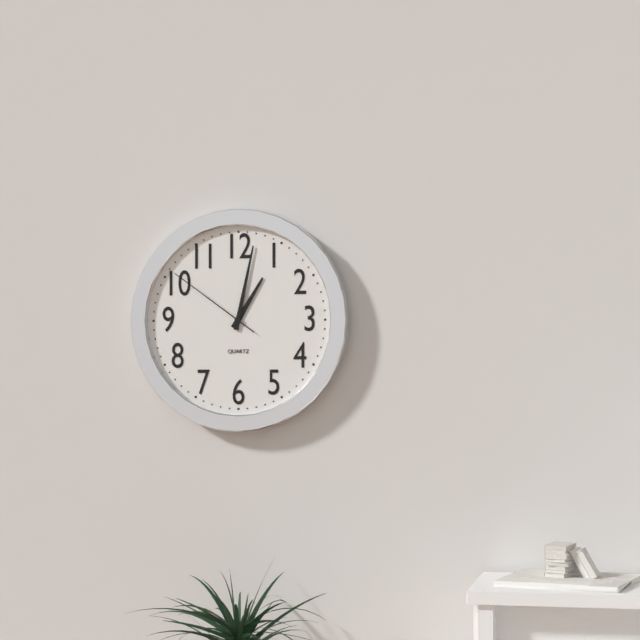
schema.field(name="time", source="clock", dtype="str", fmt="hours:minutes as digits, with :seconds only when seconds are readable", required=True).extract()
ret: 1:02:51
